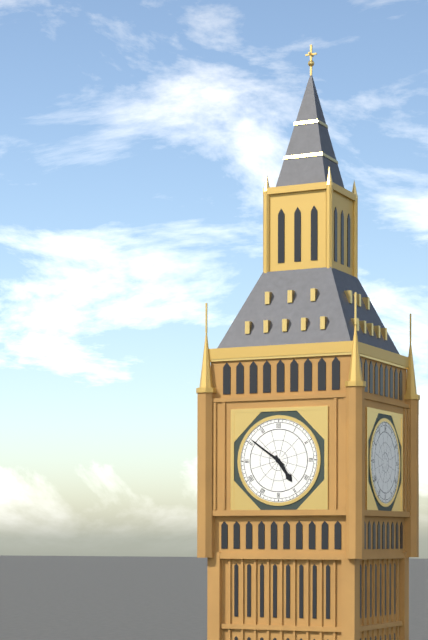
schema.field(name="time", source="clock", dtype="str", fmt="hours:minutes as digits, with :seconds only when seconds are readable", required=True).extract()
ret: 4:51
